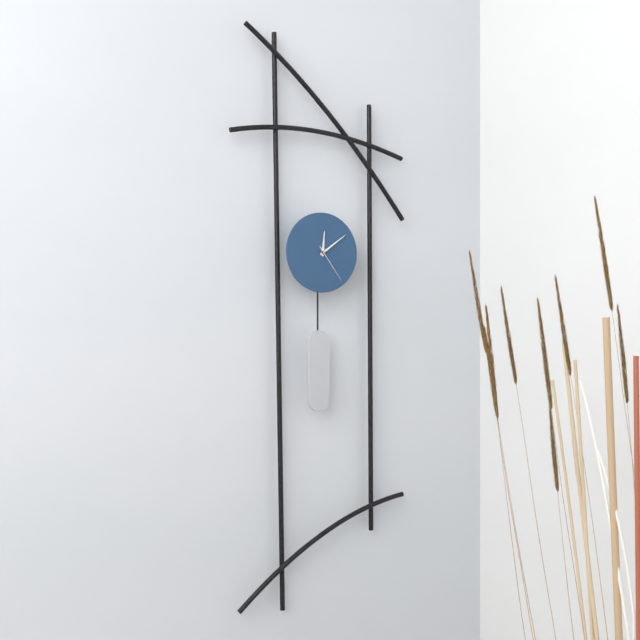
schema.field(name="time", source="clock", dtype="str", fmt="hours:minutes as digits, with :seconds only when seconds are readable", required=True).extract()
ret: 12:09
